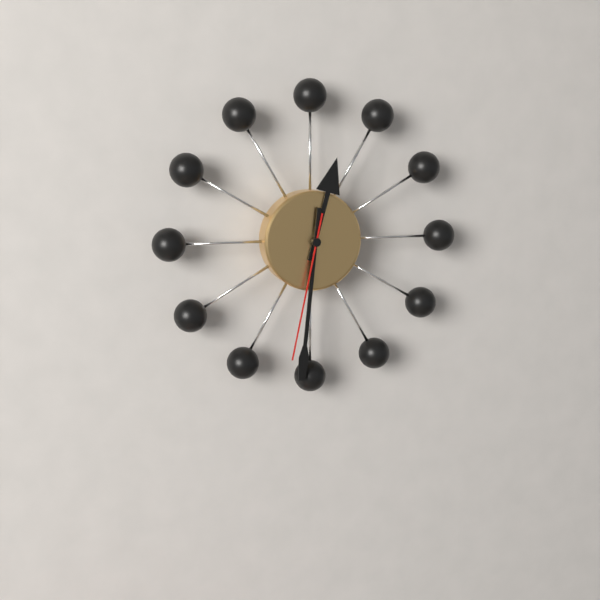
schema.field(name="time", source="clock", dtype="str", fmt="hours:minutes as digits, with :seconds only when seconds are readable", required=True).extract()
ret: 12:31:32
